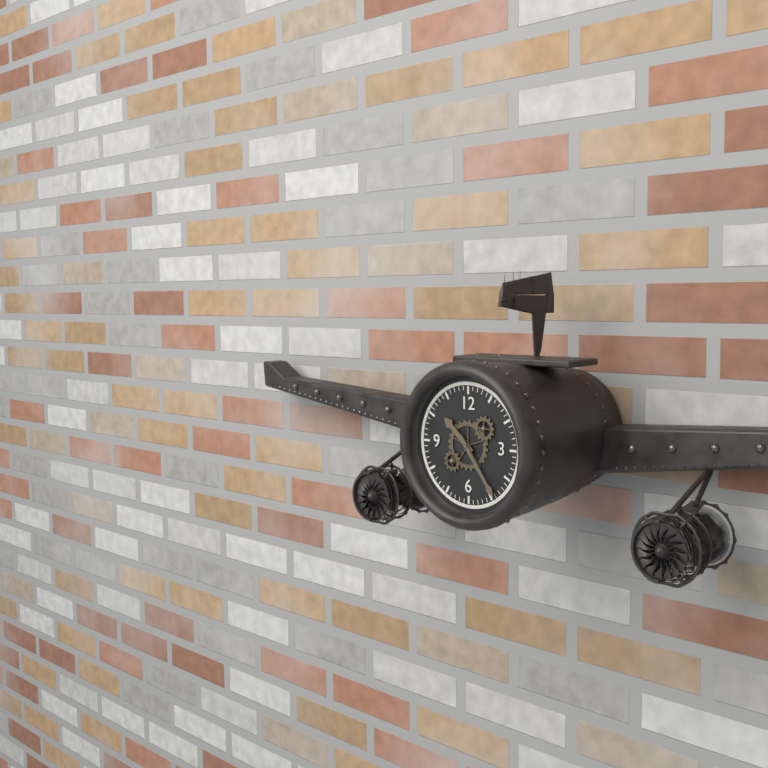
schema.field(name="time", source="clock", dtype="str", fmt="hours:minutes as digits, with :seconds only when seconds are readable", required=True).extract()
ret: 10:24
